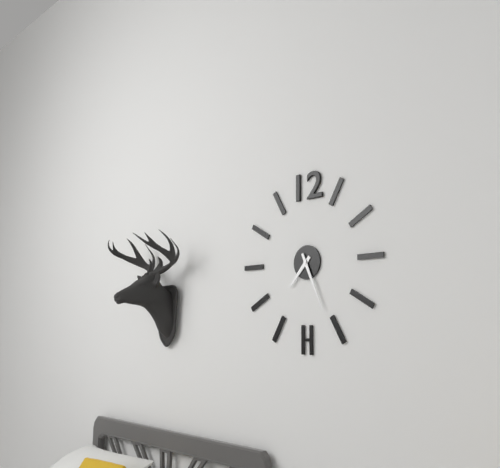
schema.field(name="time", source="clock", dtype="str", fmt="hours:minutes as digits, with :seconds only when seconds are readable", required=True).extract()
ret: 7:26
